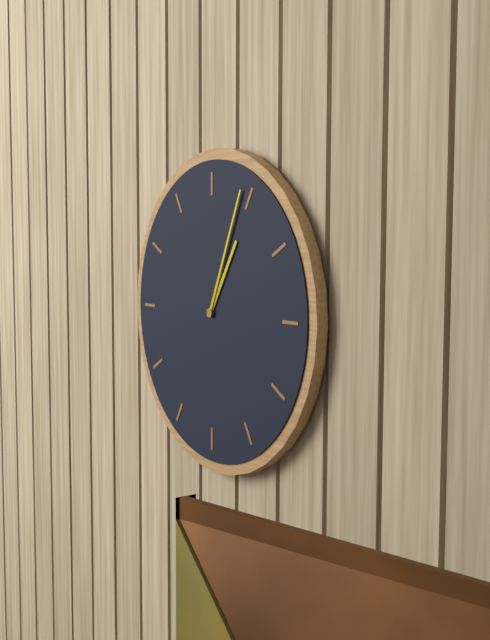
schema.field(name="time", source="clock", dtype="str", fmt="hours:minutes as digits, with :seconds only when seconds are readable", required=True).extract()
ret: 1:04
